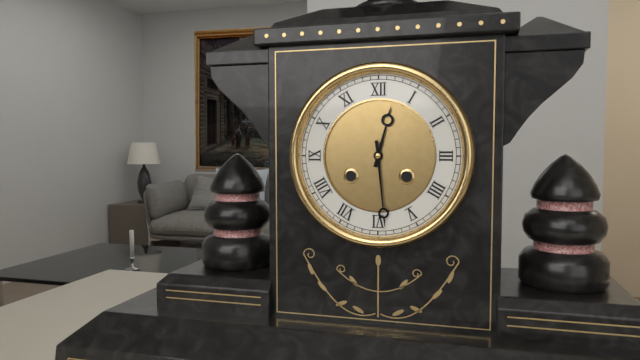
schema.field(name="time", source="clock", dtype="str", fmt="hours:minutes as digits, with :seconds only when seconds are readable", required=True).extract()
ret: 12:29
